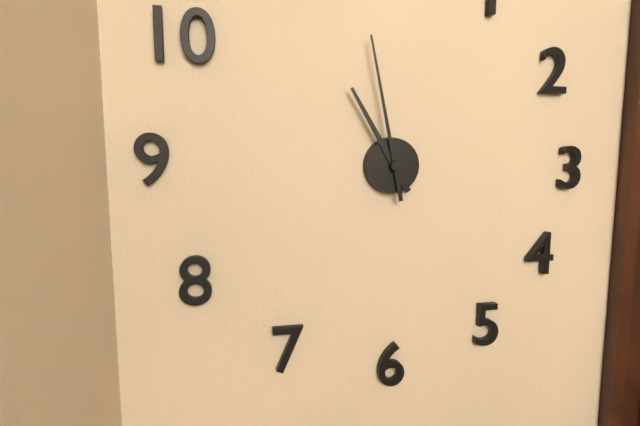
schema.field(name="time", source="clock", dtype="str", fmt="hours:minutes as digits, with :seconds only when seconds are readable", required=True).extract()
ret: 10:58
